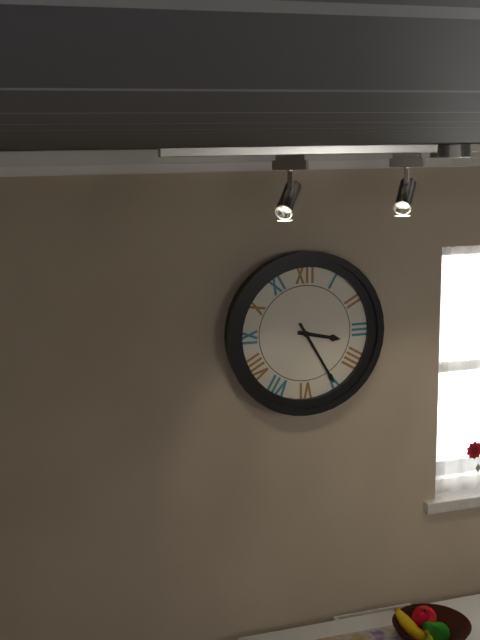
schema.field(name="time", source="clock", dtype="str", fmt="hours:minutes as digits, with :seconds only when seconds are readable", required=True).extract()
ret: 3:25
